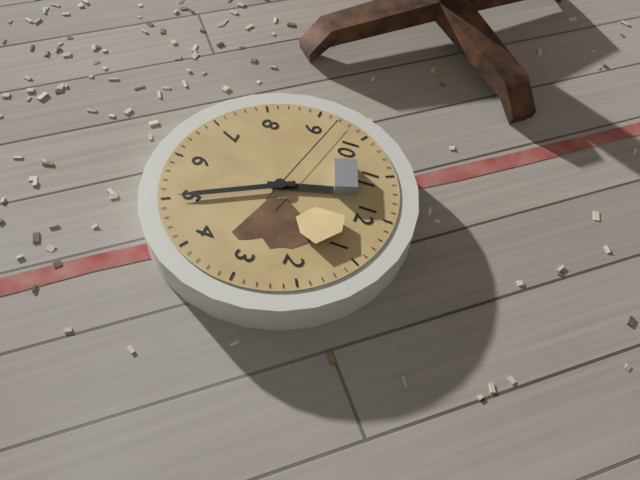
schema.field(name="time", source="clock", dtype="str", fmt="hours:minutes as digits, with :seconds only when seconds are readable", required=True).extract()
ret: 11:25:47
